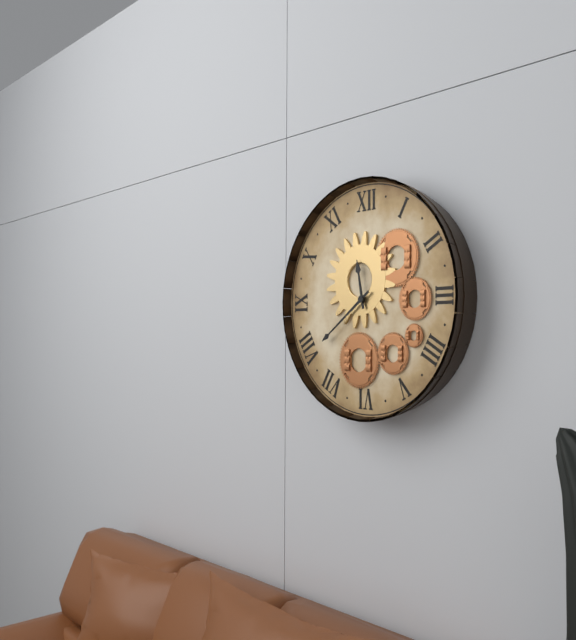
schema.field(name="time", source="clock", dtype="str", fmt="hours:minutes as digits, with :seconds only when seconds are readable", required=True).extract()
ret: 11:39
